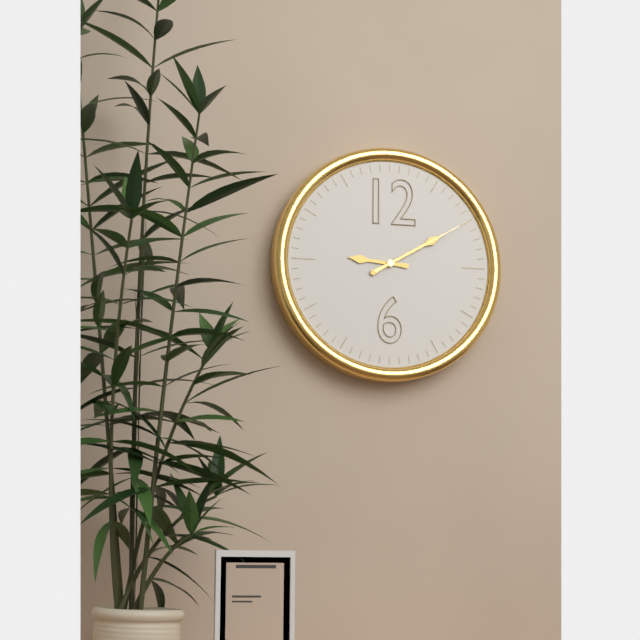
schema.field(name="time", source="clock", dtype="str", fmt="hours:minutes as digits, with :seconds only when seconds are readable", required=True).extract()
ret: 9:10:10
